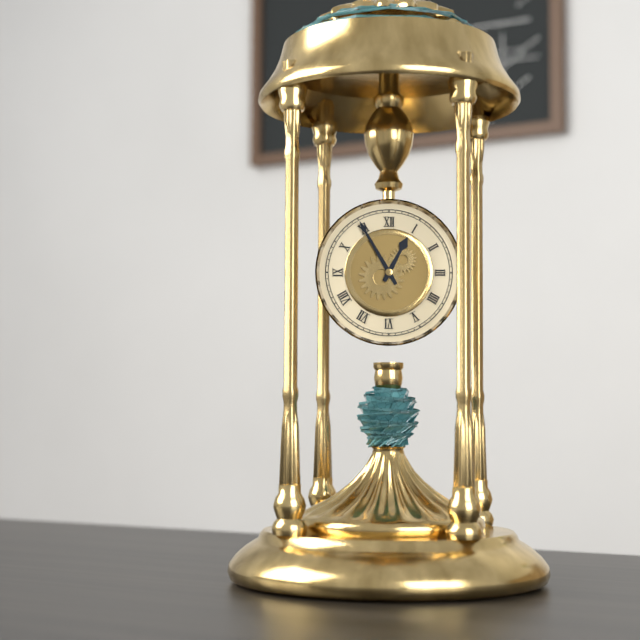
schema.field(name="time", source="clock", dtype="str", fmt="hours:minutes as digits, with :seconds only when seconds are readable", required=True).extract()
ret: 12:55
